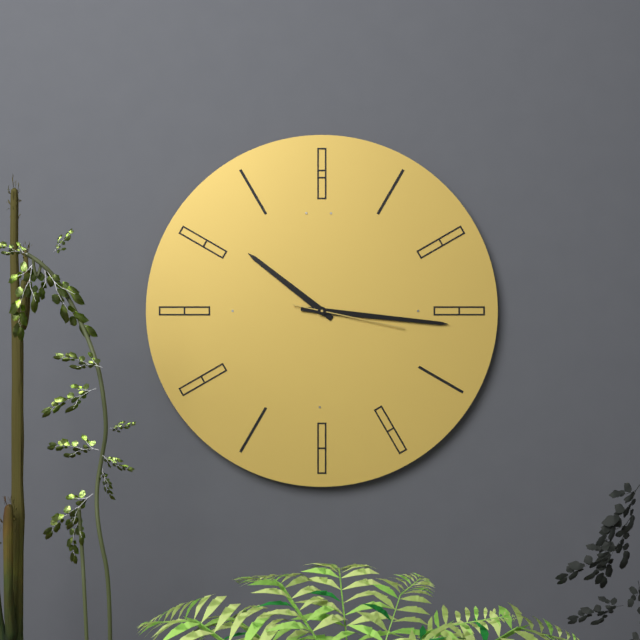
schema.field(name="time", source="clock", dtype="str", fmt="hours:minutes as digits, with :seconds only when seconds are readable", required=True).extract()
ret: 10:16:17
